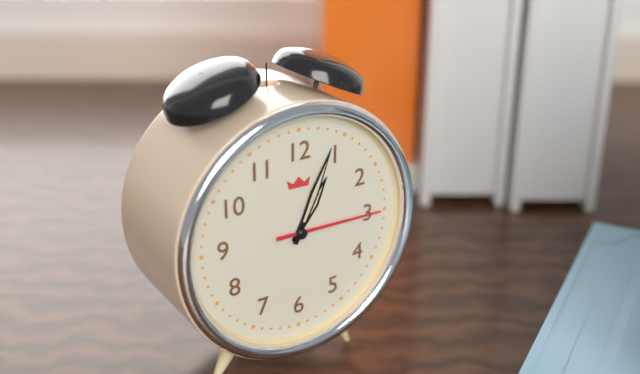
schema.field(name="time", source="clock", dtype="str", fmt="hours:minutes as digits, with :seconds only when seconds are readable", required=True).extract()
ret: 1:04:15
